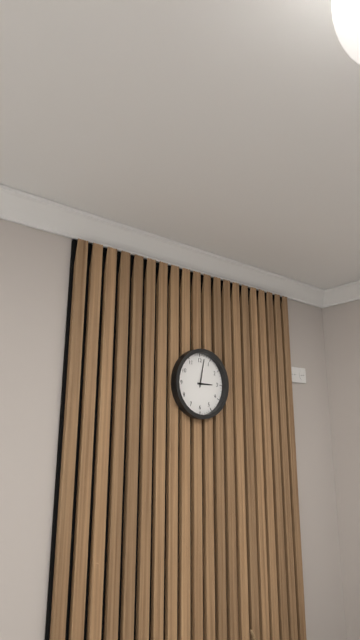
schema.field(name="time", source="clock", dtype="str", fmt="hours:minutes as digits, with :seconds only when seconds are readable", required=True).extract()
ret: 3:02
